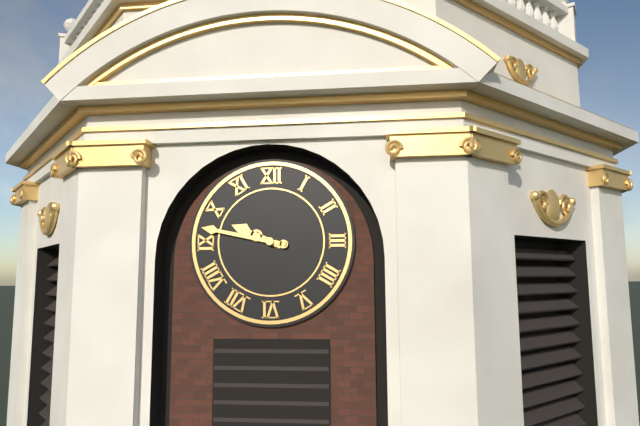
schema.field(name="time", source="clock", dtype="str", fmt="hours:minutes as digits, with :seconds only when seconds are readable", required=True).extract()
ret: 9:47
